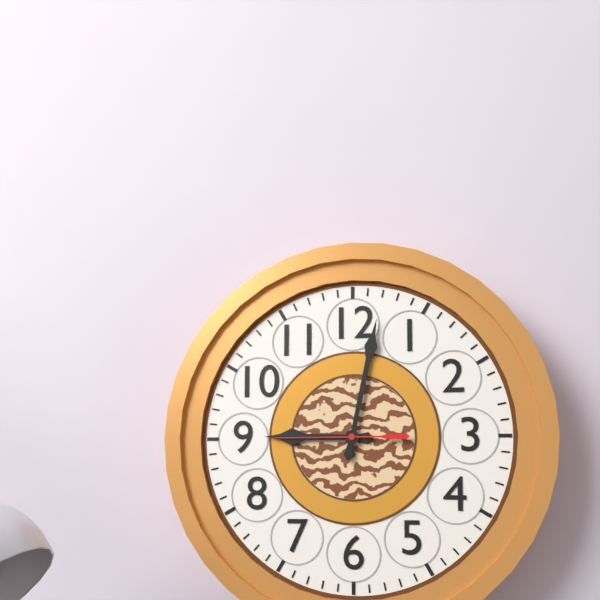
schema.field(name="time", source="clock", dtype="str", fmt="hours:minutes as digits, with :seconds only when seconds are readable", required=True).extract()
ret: 9:02:45
